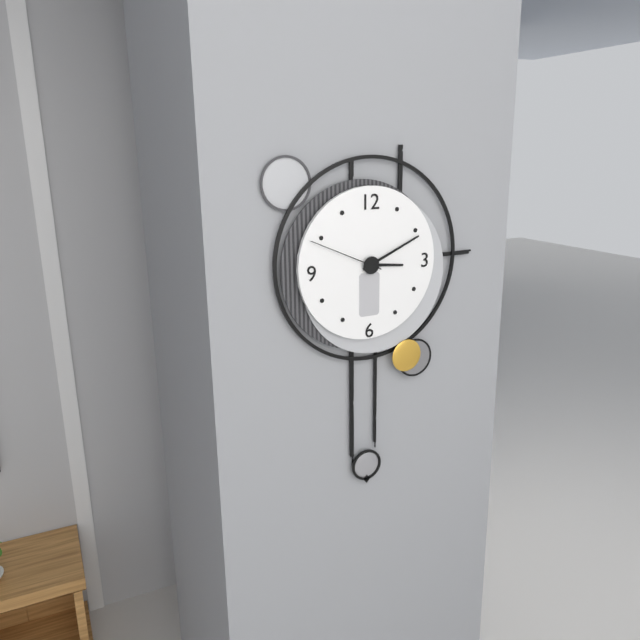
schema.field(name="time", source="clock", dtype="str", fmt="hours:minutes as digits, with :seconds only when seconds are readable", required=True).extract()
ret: 3:11:49
